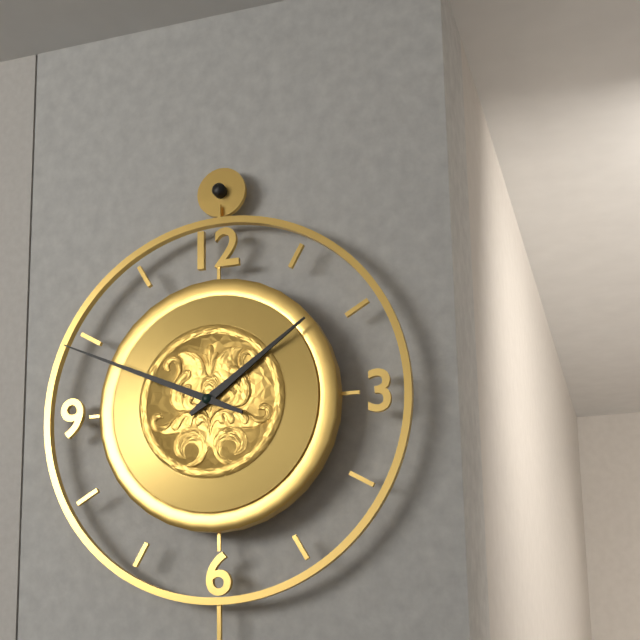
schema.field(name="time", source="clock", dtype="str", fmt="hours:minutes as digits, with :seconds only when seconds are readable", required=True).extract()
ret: 1:49
